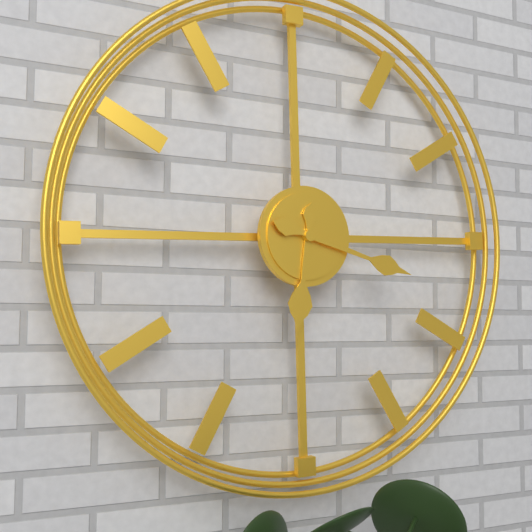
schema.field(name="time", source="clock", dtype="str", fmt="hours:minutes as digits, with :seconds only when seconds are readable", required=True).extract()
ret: 6:18
